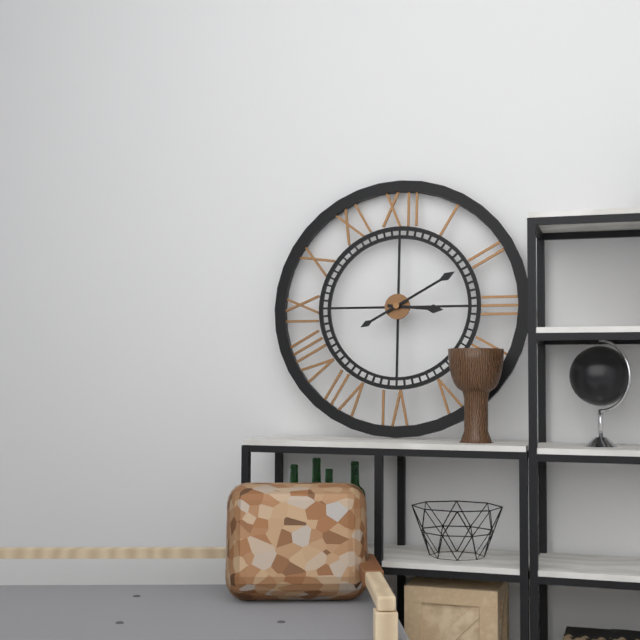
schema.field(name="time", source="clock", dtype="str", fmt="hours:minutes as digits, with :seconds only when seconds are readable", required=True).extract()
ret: 3:10
